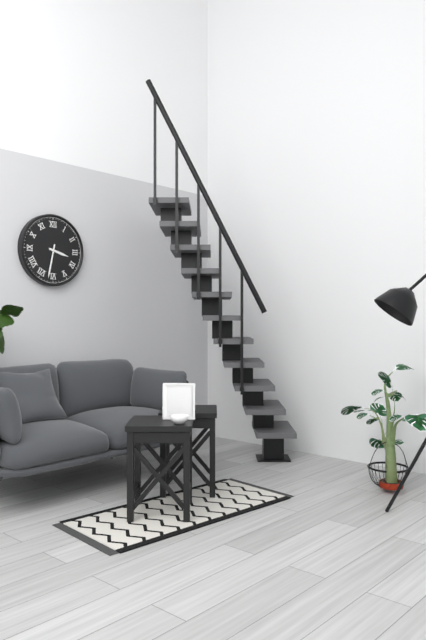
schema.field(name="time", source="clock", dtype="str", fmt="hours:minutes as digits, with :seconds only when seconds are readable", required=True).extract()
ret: 3:32
